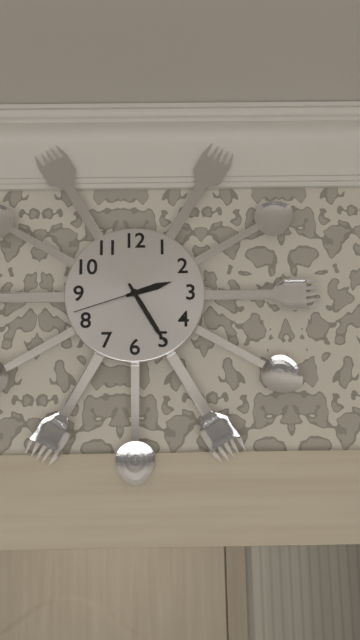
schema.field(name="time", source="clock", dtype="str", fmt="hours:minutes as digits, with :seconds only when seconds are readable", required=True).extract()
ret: 2:25:42
